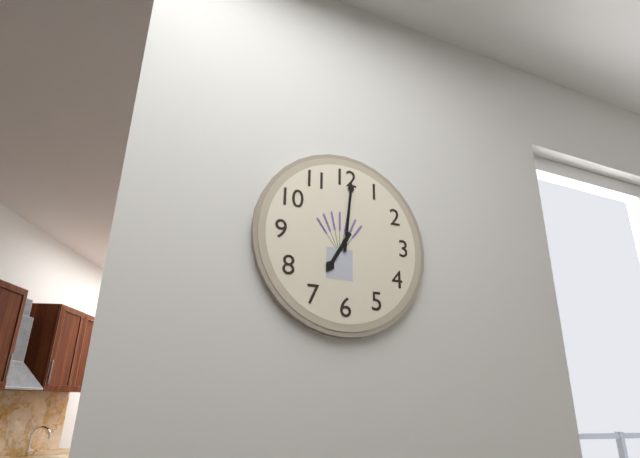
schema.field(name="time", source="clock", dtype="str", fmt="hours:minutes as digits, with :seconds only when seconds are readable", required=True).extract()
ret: 7:01
